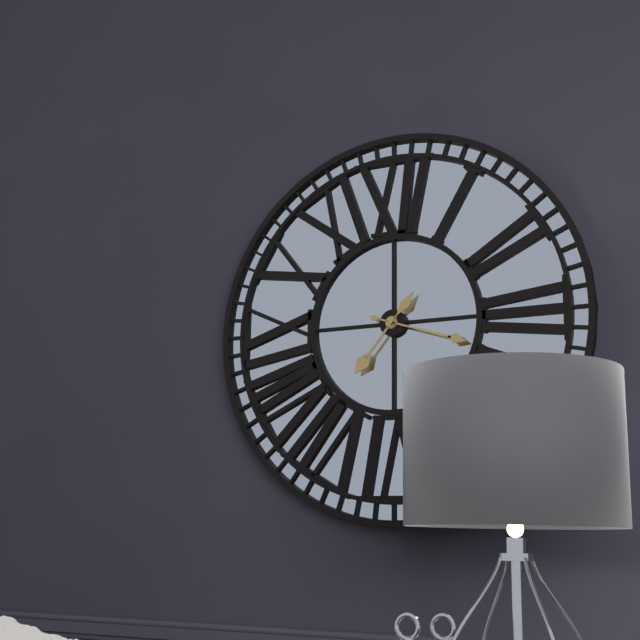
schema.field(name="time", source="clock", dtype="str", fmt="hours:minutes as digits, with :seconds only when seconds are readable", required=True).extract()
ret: 7:18
